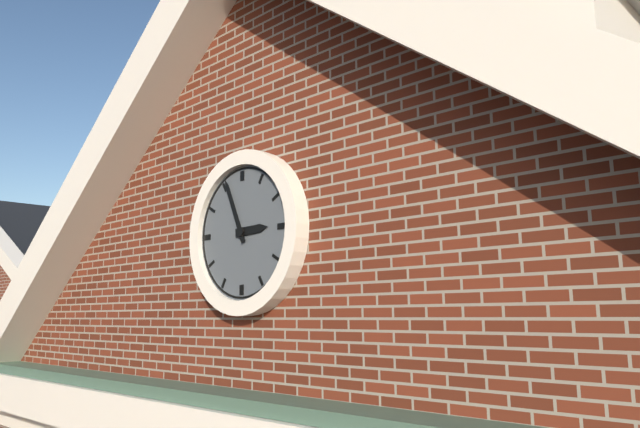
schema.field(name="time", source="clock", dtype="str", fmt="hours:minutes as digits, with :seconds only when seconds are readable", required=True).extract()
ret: 2:56
